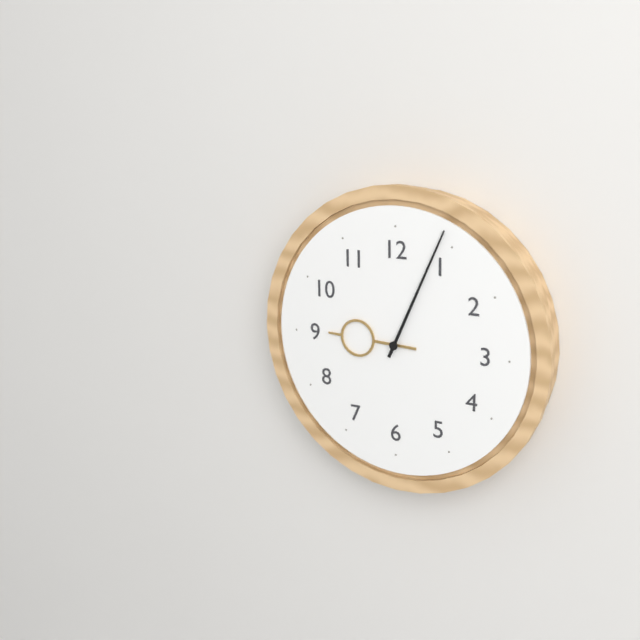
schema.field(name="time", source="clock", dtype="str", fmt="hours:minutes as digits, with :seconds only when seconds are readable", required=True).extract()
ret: 9:04
